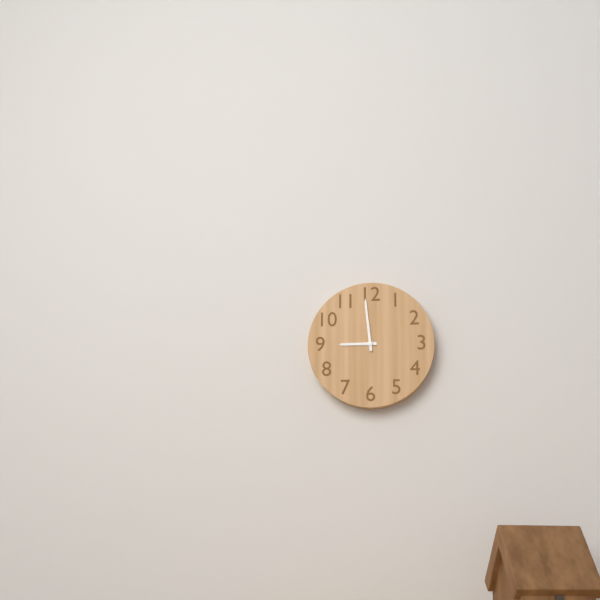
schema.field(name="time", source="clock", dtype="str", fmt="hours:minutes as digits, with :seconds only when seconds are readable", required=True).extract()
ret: 8:59
